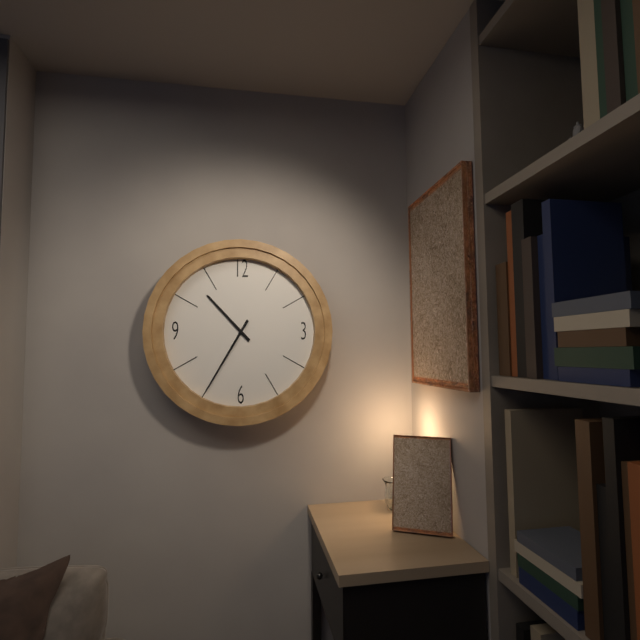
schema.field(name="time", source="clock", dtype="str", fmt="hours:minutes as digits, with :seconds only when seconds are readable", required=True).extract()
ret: 10:35
